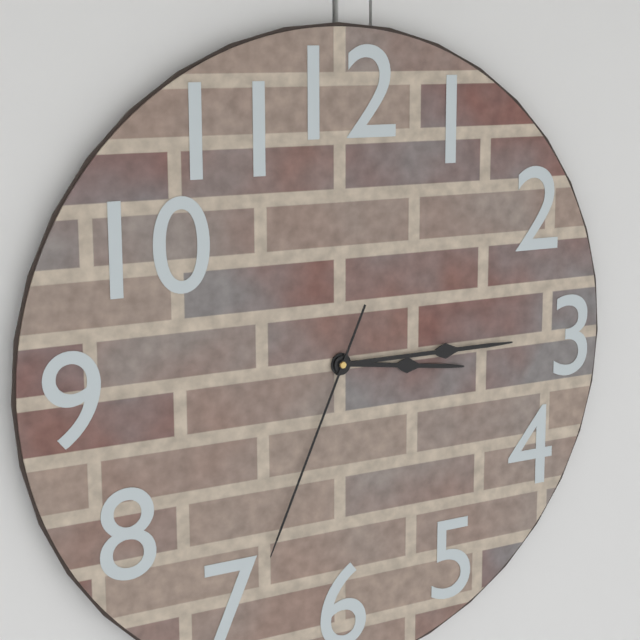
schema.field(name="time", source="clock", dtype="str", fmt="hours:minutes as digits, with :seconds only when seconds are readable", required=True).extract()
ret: 3:15:34
